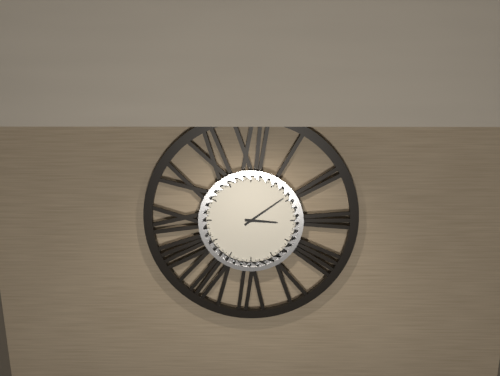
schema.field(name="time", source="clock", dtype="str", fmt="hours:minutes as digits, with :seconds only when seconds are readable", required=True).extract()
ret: 3:09
